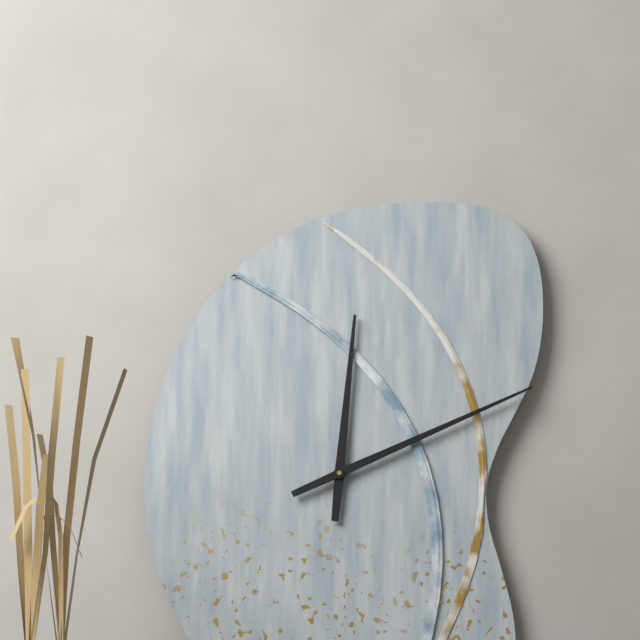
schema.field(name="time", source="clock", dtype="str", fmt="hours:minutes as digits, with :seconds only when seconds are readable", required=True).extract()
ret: 12:11
